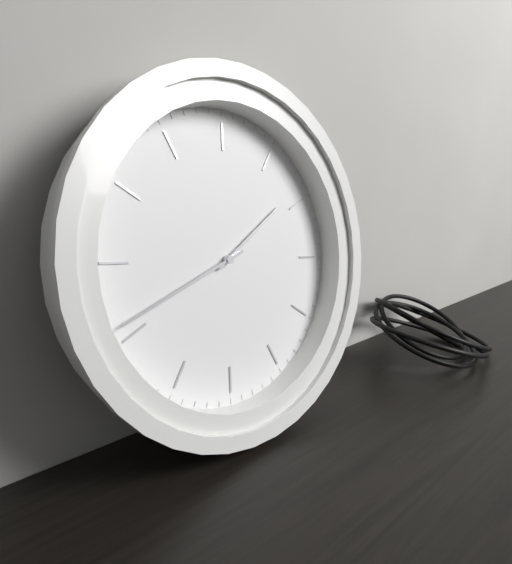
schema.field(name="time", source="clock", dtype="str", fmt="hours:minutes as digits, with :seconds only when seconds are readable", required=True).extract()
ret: 2:46
